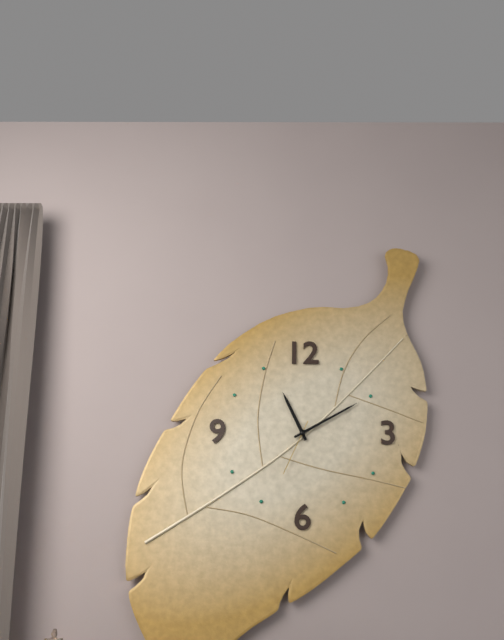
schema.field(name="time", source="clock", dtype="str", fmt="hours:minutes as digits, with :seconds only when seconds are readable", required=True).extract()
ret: 11:10:34
